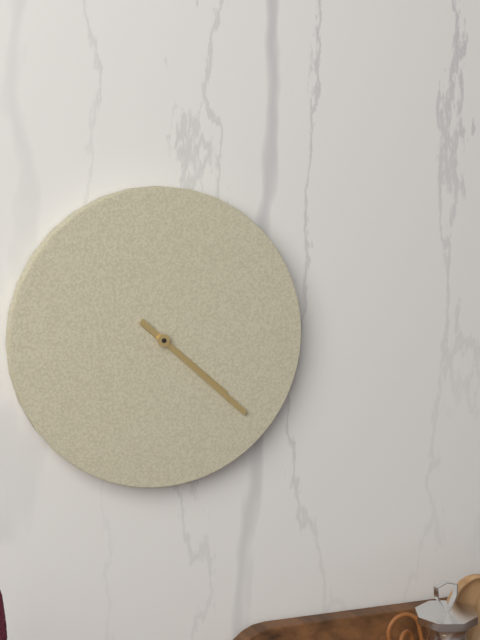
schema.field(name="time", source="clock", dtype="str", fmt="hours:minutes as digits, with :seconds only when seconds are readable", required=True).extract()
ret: 4:22
